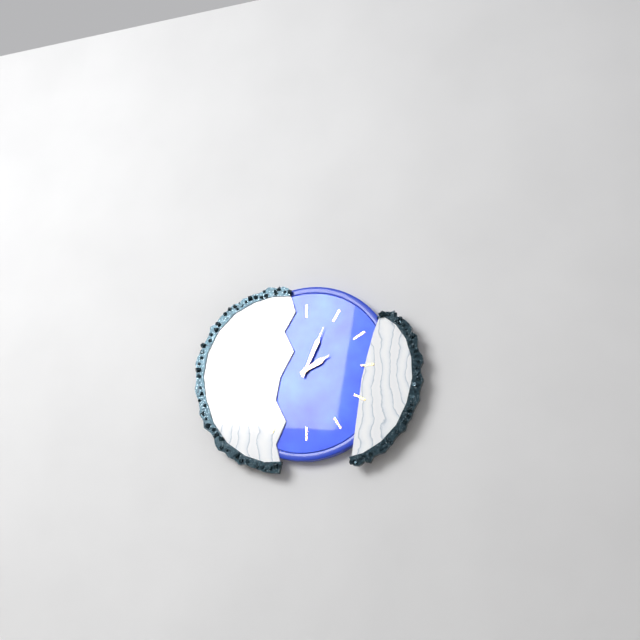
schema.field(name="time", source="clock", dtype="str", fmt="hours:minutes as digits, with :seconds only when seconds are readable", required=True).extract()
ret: 2:04
